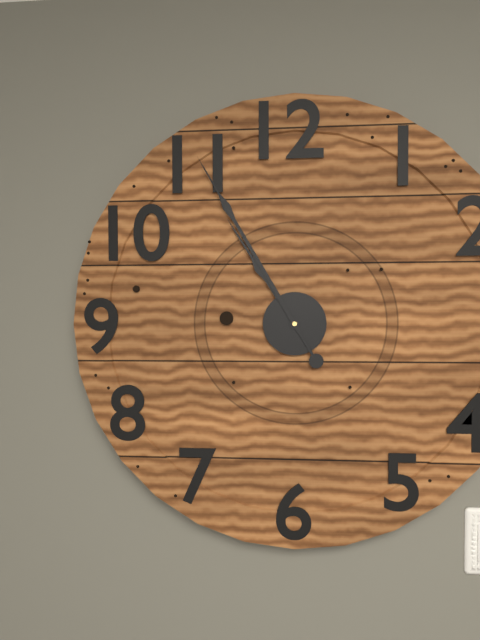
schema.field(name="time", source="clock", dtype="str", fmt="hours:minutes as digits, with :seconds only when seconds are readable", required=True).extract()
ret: 10:55
